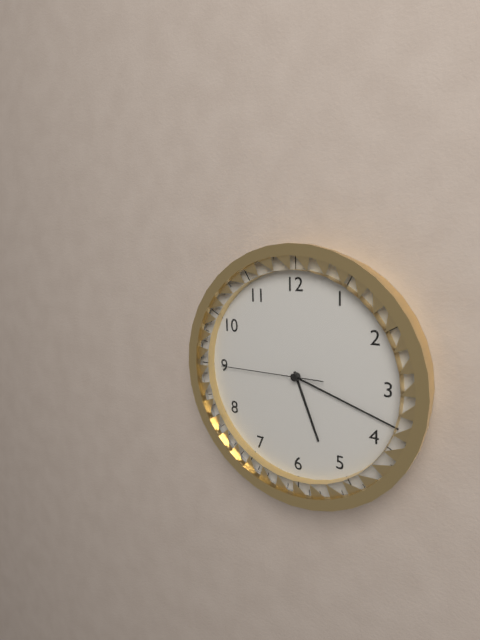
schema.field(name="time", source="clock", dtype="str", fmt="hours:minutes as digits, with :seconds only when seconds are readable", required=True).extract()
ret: 5:18:45
